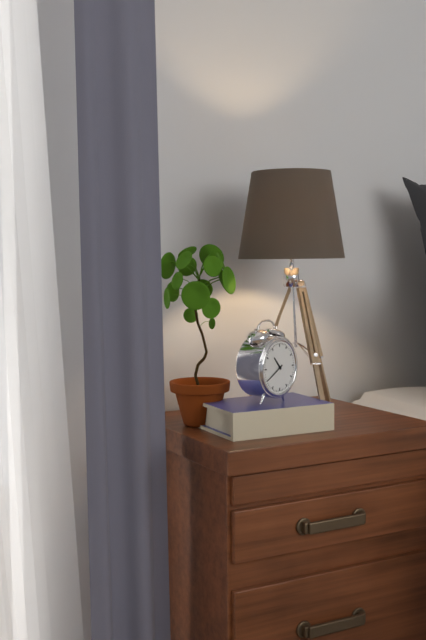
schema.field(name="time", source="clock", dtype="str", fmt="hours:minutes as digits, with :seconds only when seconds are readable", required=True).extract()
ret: 10:40
